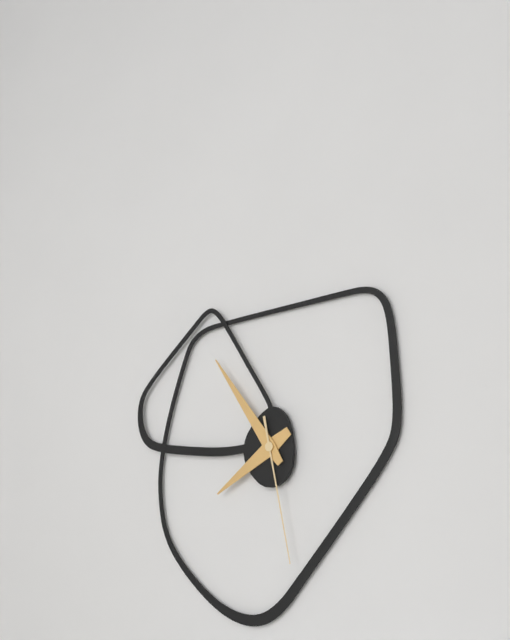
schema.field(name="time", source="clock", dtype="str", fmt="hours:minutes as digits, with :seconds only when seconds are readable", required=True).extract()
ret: 7:54:28
